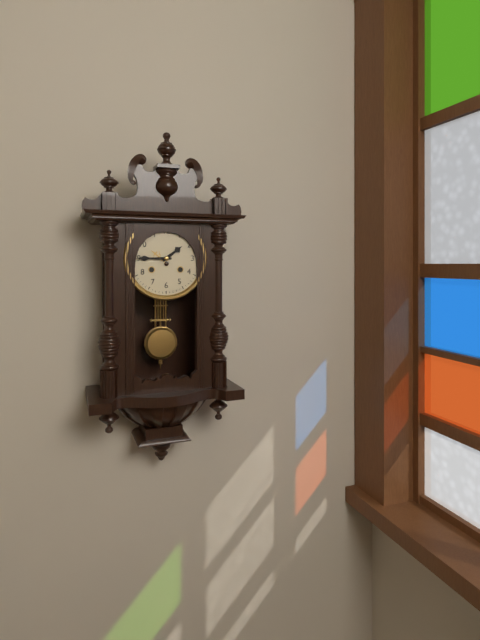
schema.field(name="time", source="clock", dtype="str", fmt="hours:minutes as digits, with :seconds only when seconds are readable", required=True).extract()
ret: 1:45
